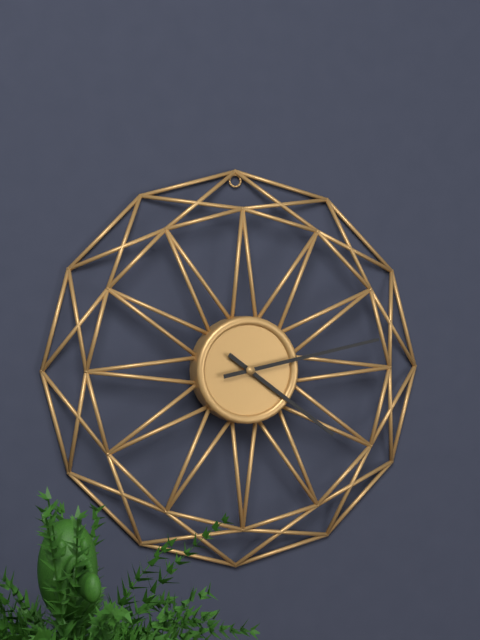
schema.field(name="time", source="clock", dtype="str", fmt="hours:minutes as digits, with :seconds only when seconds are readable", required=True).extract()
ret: 4:13
